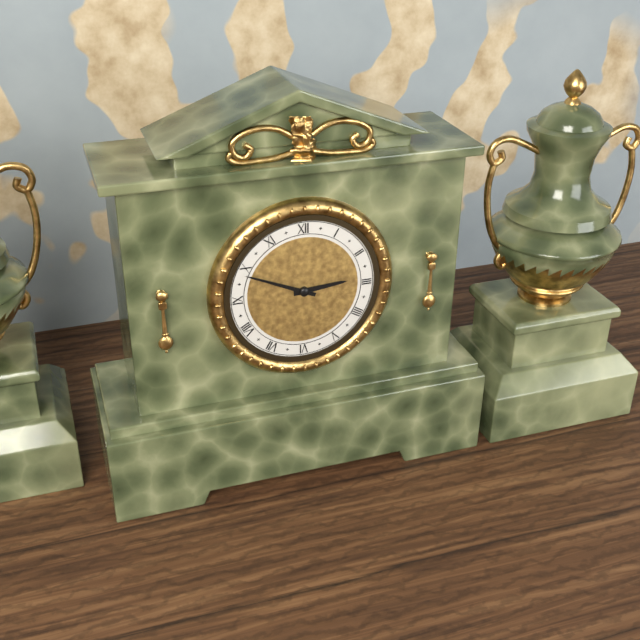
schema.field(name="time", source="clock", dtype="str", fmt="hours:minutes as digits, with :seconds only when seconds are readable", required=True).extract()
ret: 2:49
